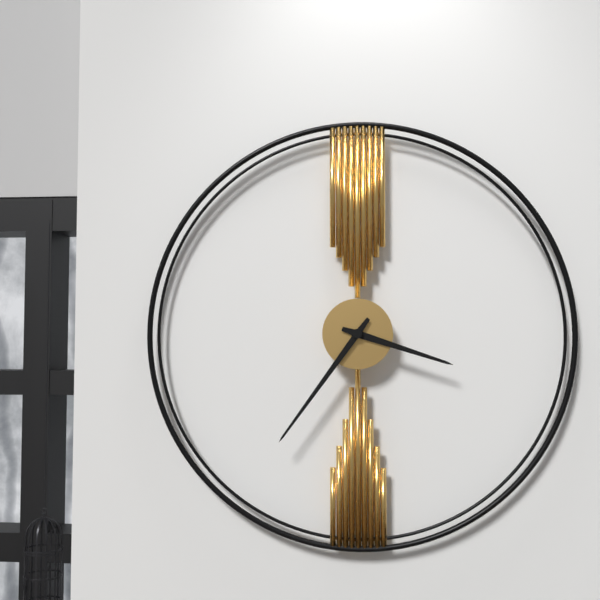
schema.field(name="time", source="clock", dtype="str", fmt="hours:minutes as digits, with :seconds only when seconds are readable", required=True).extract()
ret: 3:36
